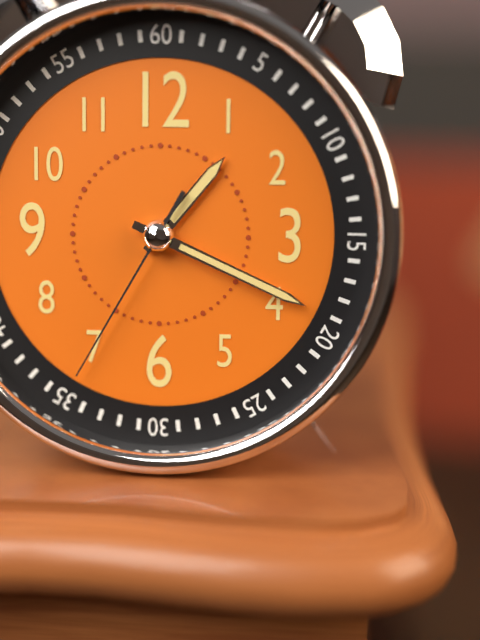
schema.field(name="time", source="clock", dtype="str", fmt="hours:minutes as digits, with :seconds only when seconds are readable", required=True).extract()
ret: 1:19:35
